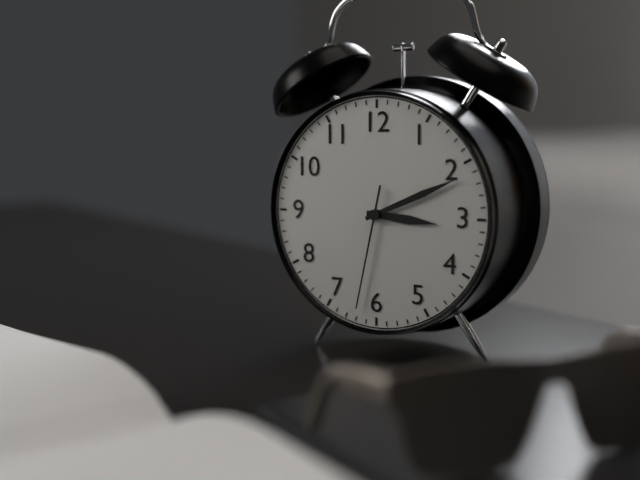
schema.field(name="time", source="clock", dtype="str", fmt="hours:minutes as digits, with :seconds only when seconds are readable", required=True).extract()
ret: 3:11:32
